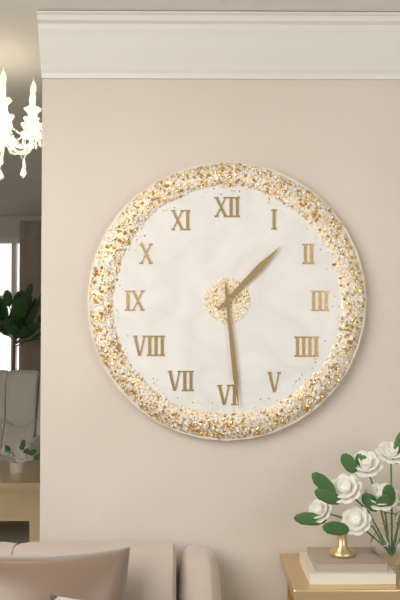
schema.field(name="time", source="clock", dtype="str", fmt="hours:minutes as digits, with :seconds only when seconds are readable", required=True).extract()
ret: 1:29
